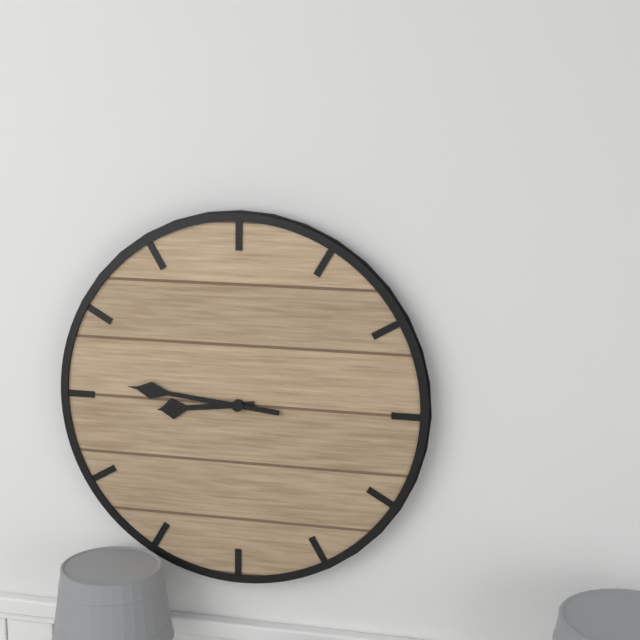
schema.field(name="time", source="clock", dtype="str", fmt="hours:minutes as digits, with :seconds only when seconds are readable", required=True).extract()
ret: 8:46
